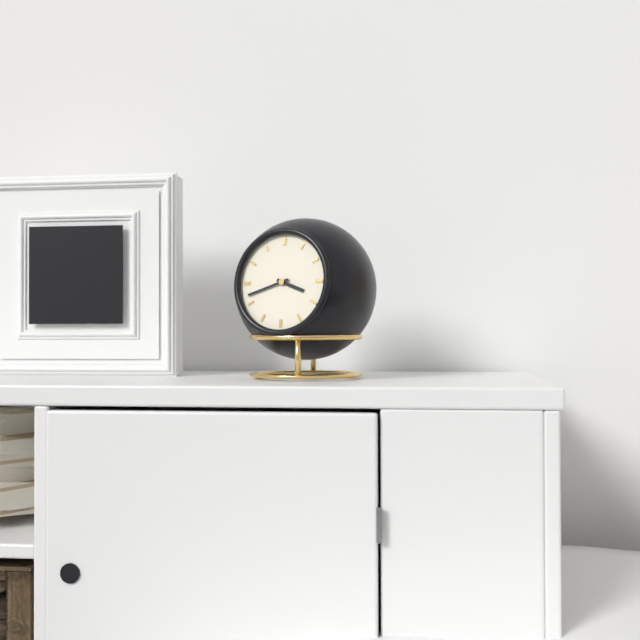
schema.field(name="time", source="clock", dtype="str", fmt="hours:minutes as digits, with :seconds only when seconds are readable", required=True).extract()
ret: 3:42
